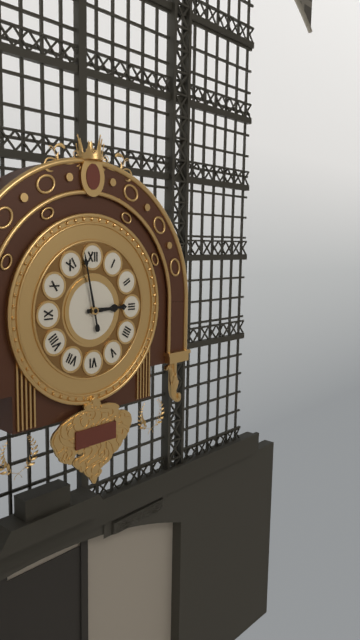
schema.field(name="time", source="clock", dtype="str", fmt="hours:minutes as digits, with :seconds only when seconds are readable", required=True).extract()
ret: 2:58
